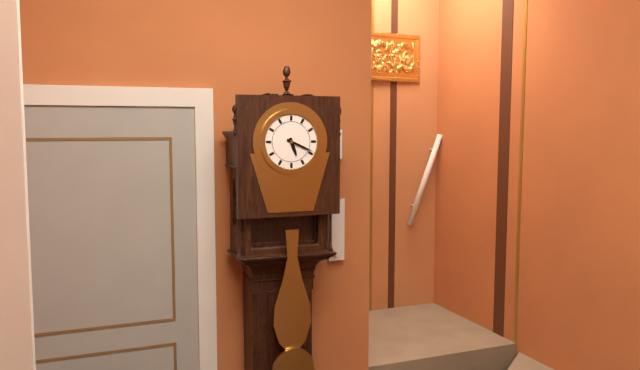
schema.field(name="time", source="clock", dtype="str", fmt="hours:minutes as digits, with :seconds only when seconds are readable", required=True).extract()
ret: 5:19
